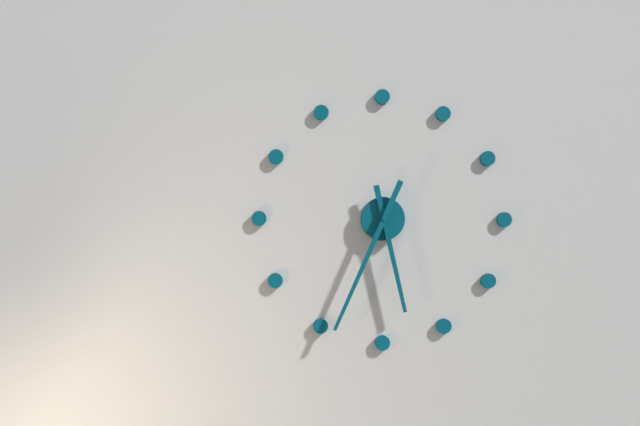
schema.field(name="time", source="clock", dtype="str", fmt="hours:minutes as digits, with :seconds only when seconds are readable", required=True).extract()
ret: 5:34
